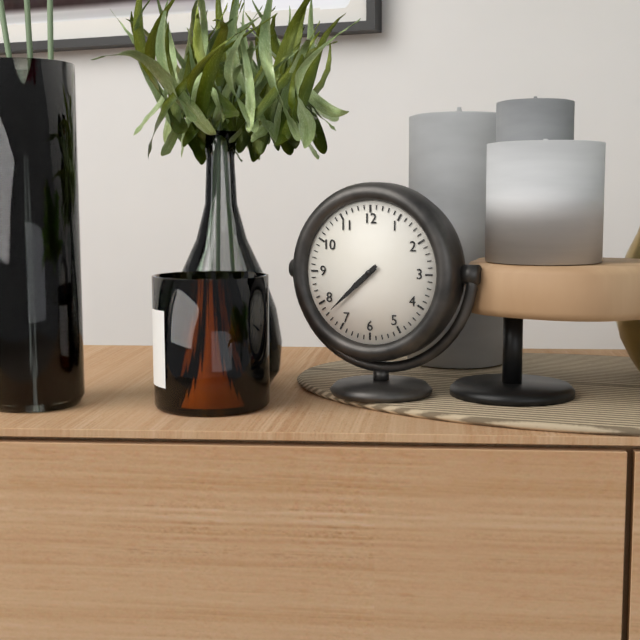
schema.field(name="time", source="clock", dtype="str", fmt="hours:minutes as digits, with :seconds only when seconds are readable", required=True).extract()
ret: 7:38
